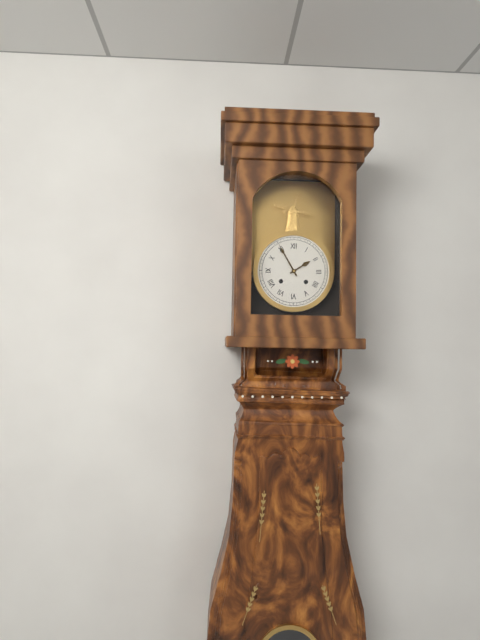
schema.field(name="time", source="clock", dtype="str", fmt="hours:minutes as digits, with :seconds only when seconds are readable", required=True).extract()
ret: 1:55
